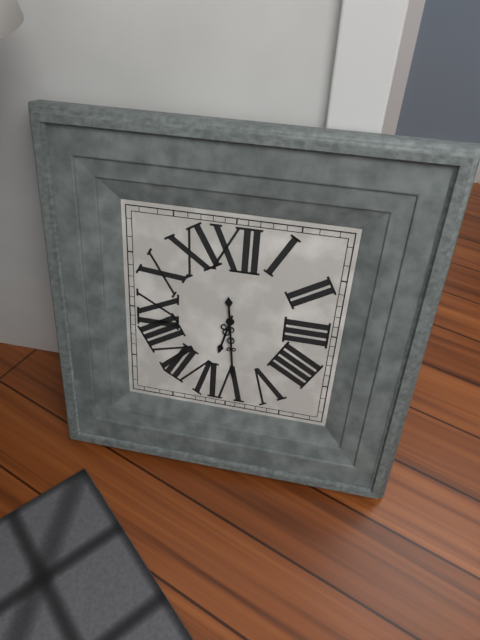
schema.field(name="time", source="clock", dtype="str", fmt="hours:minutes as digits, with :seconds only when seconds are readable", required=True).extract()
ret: 6:29
